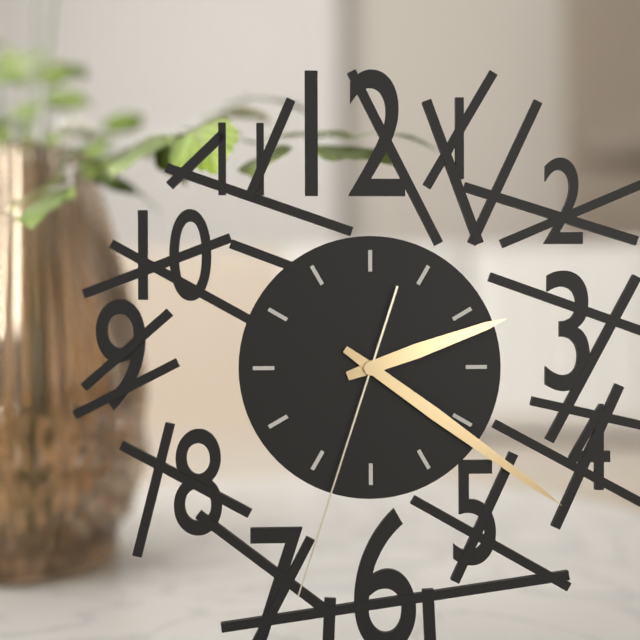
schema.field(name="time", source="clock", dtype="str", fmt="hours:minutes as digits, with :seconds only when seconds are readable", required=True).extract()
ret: 2:21:33
